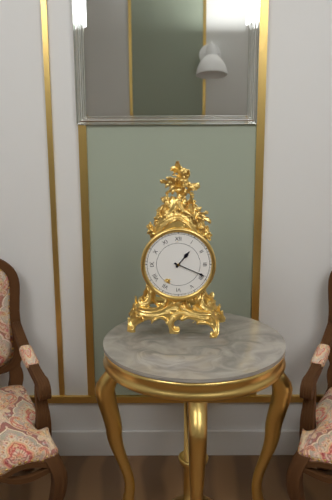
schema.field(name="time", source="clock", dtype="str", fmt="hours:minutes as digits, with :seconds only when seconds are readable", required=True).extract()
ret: 1:19
